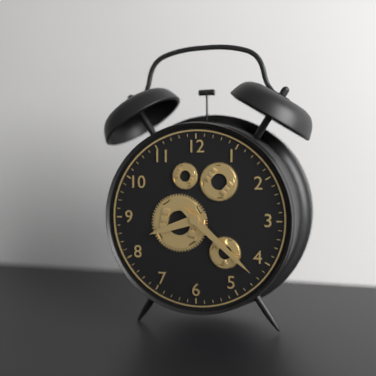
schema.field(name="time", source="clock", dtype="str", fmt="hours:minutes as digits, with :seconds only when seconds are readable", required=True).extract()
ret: 8:22
